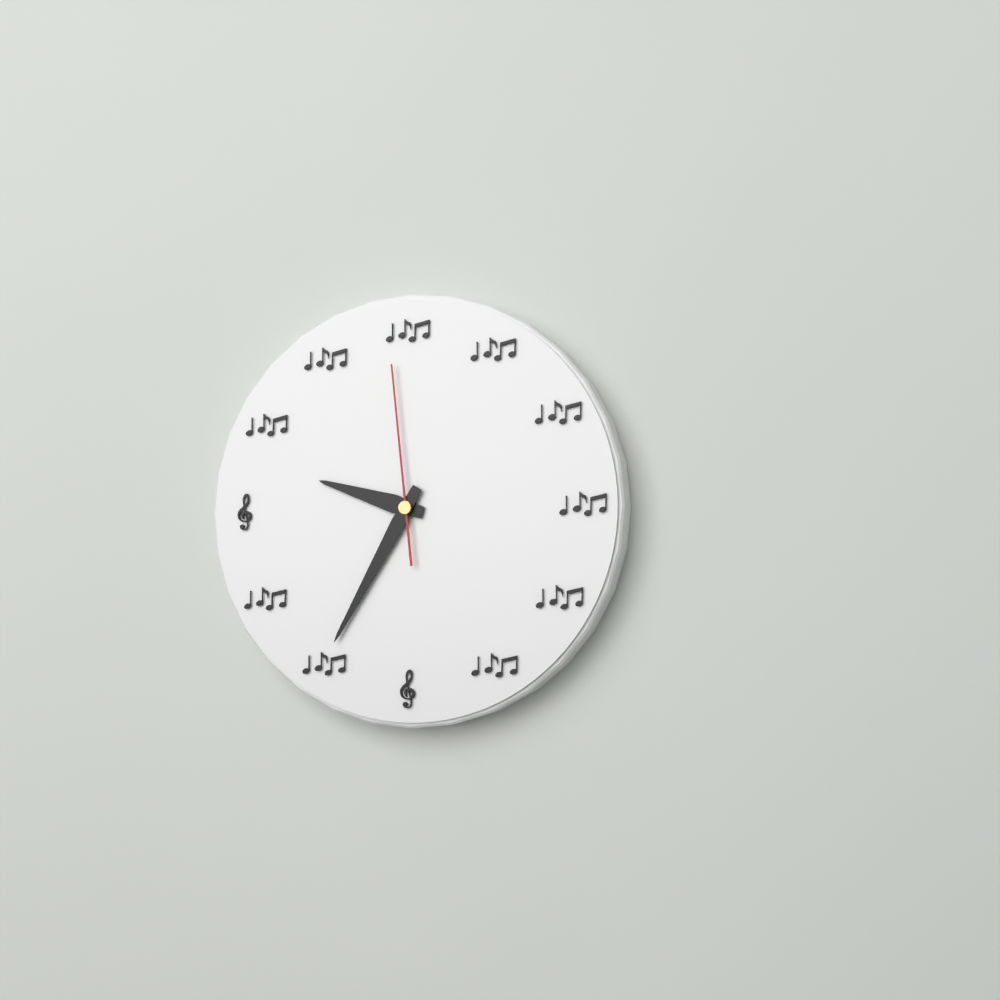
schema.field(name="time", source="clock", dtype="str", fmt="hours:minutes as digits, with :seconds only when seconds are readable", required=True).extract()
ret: 9:35:59
